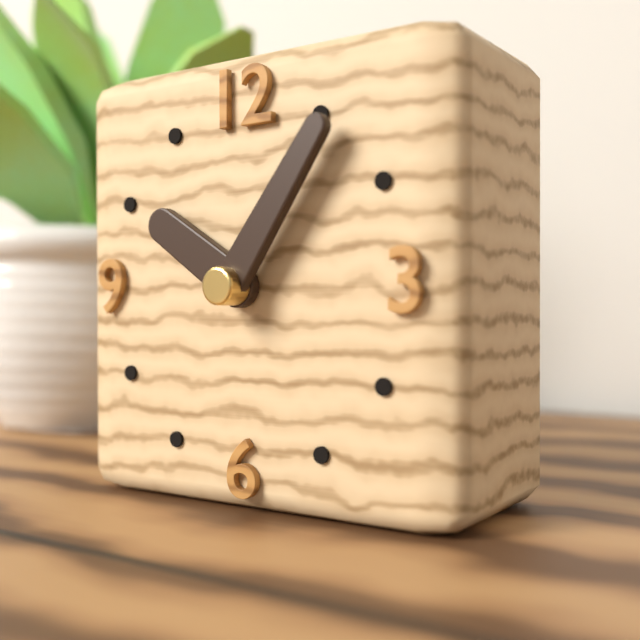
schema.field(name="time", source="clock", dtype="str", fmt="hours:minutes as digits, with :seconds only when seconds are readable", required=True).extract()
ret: 10:06
